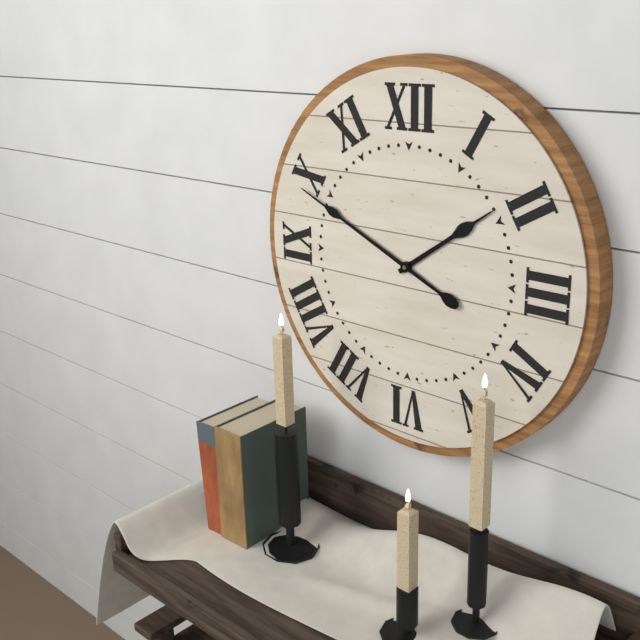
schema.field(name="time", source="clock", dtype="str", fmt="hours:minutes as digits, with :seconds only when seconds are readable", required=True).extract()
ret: 1:49
